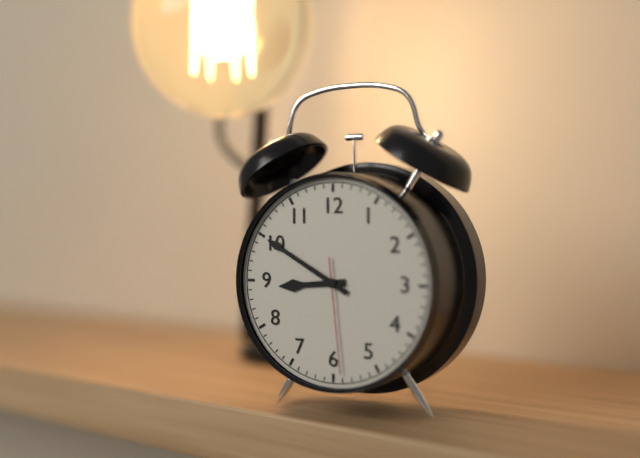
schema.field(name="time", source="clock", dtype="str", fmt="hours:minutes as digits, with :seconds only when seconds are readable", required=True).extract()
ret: 8:50:29
